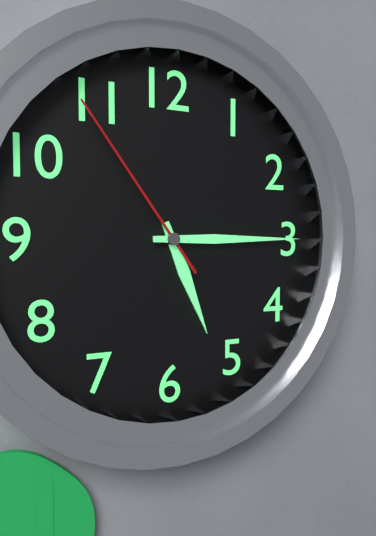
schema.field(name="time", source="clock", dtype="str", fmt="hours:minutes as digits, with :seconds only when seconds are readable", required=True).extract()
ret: 5:15:54
